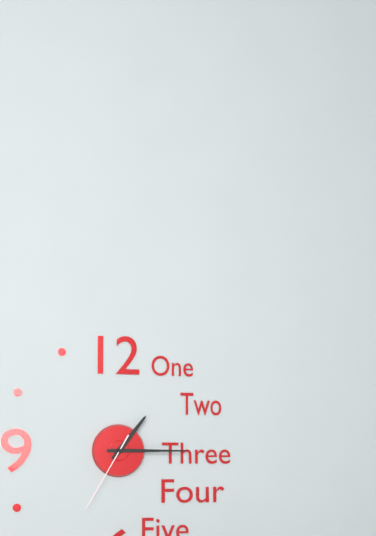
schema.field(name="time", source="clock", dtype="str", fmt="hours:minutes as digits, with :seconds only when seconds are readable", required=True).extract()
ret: 1:15:35
